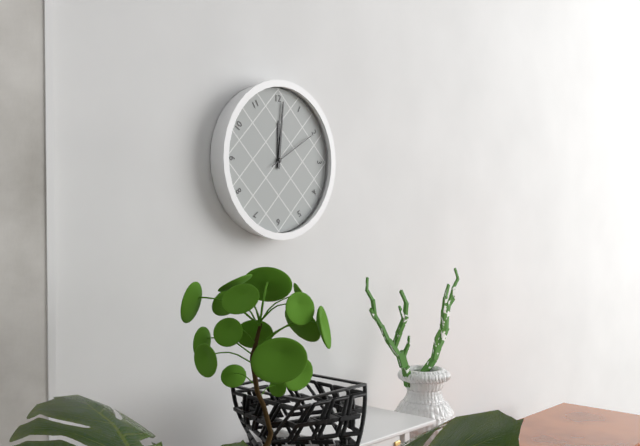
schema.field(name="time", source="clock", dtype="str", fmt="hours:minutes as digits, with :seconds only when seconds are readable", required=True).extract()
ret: 12:01:10
